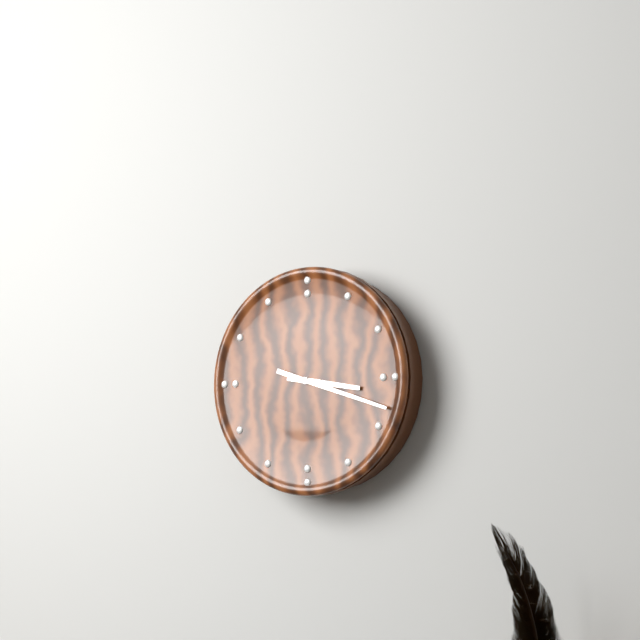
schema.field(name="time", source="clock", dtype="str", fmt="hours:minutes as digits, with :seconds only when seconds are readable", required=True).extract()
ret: 3:18
